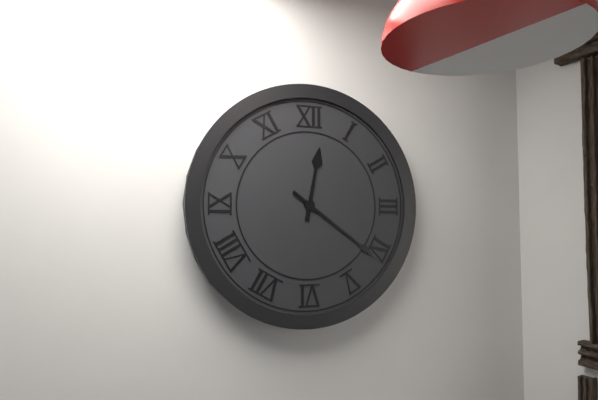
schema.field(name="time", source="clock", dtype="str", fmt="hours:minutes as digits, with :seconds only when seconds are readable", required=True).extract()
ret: 12:21
